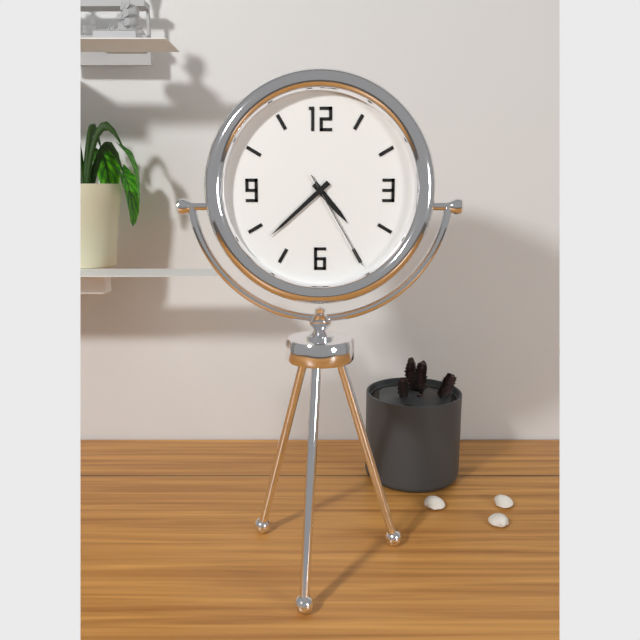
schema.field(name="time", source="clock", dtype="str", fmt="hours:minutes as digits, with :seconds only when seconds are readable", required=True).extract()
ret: 4:38:25
